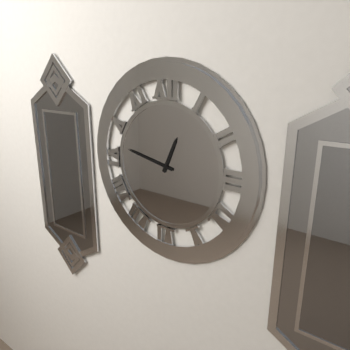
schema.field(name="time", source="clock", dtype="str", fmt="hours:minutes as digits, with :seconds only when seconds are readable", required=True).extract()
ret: 12:47
